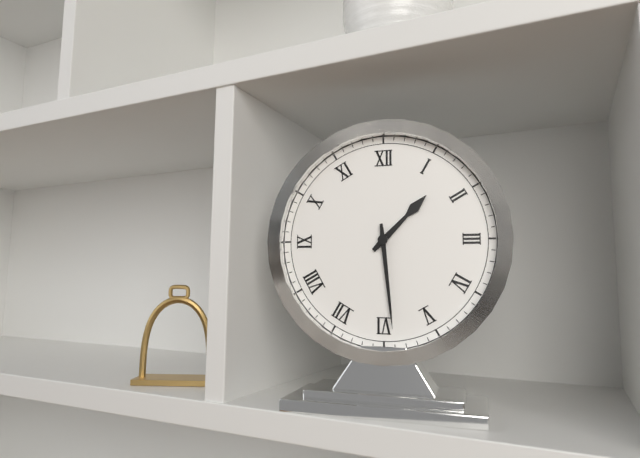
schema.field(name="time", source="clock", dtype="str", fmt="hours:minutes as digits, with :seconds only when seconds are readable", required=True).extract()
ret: 1:29
